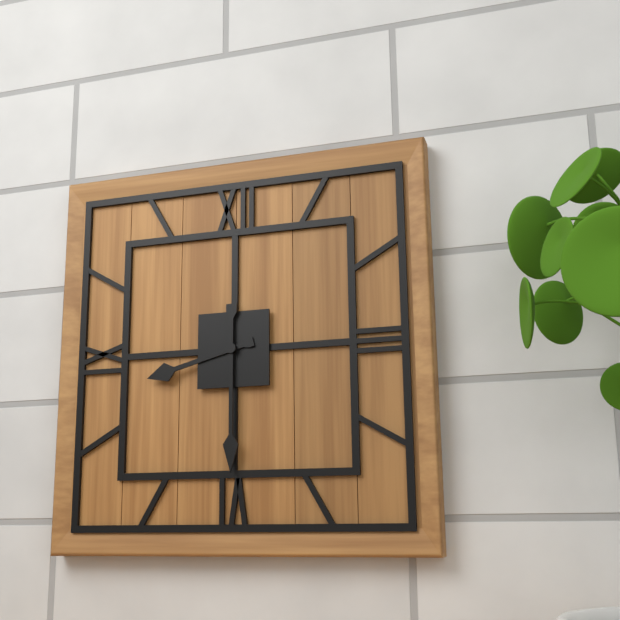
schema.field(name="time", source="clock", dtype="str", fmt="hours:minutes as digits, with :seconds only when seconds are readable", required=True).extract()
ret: 8:30
